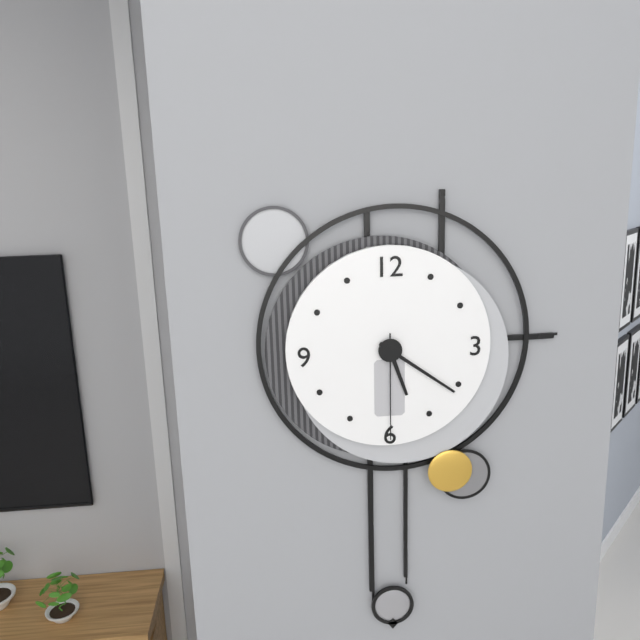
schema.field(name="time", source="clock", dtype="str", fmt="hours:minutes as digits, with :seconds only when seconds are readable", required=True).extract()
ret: 5:21:30
